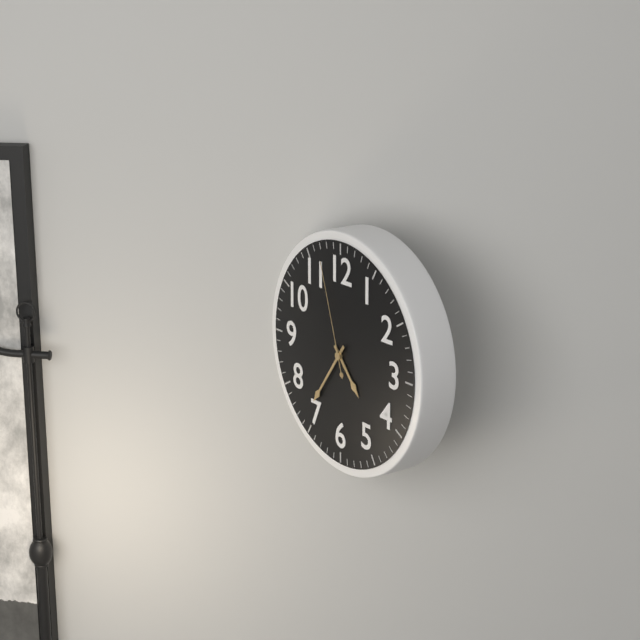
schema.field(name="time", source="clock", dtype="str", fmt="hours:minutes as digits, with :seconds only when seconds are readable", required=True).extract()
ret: 4:36:57
